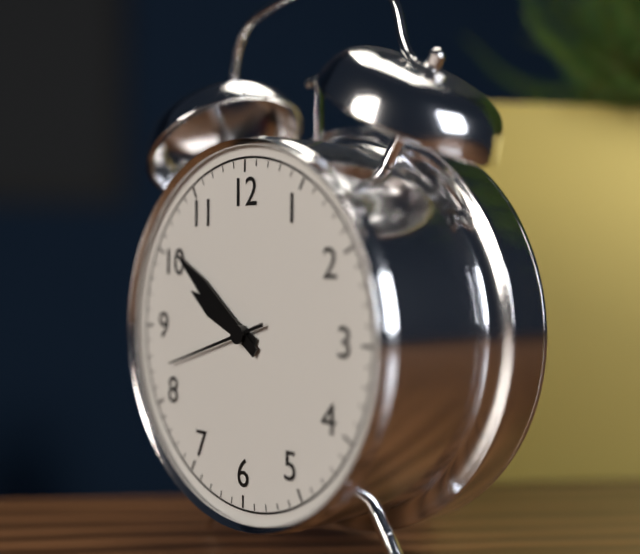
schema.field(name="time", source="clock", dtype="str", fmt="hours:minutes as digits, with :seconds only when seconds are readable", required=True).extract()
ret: 9:51:42
